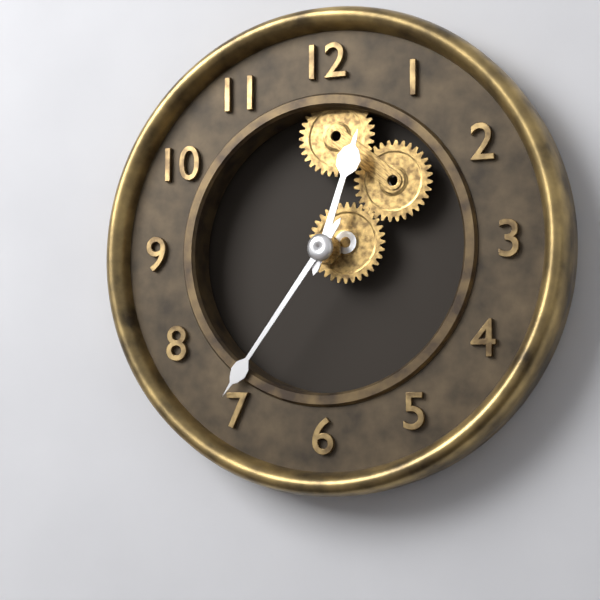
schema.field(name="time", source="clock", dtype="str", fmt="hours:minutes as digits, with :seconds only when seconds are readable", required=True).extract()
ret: 12:36
